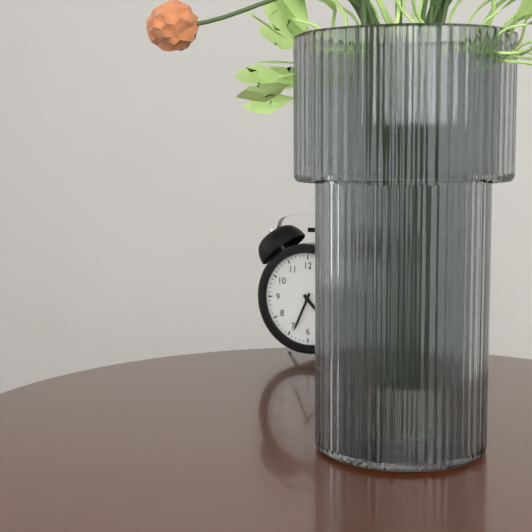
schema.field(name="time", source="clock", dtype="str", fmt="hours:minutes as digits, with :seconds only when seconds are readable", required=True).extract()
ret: 4:34
